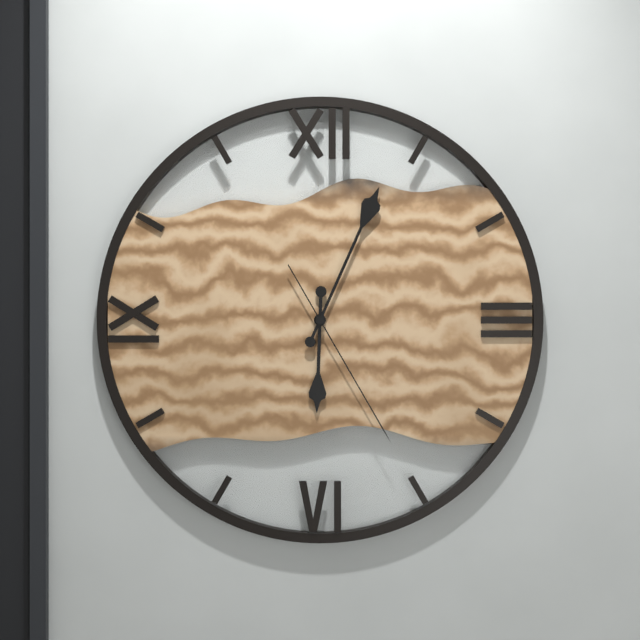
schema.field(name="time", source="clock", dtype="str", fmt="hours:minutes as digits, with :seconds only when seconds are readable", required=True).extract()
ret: 6:04:25
